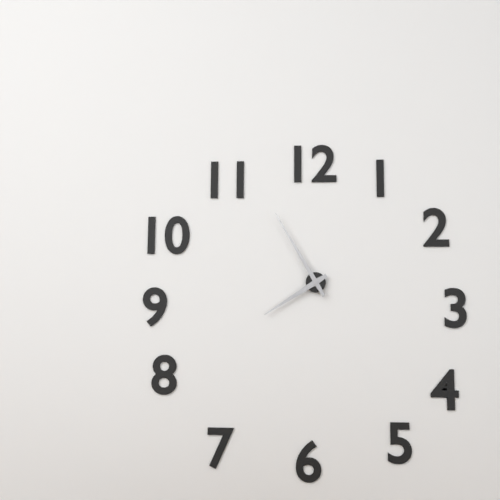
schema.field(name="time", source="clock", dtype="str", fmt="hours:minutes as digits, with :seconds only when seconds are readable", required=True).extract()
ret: 7:55
